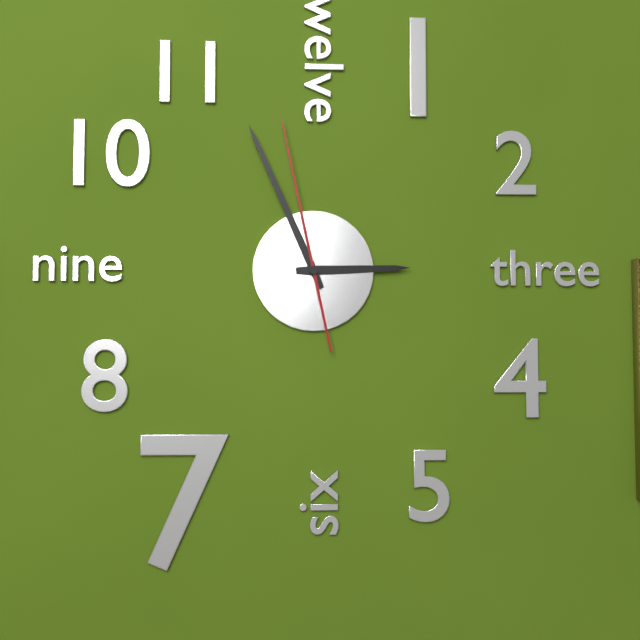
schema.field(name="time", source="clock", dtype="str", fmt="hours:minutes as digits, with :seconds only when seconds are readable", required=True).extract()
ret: 2:56:58
